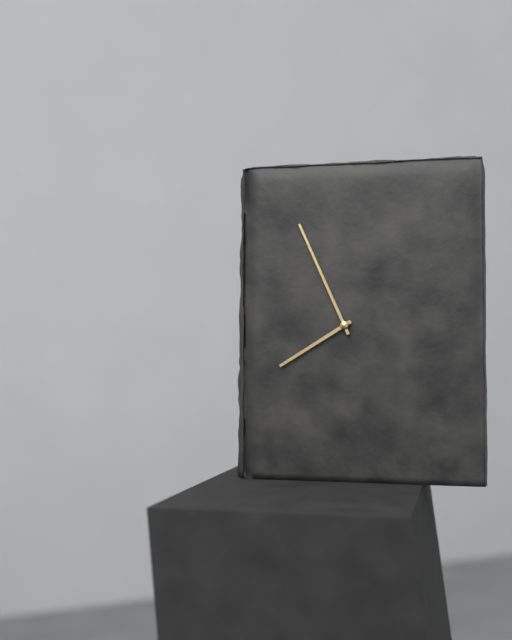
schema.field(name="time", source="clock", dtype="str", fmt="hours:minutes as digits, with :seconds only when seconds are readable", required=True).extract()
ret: 7:56
